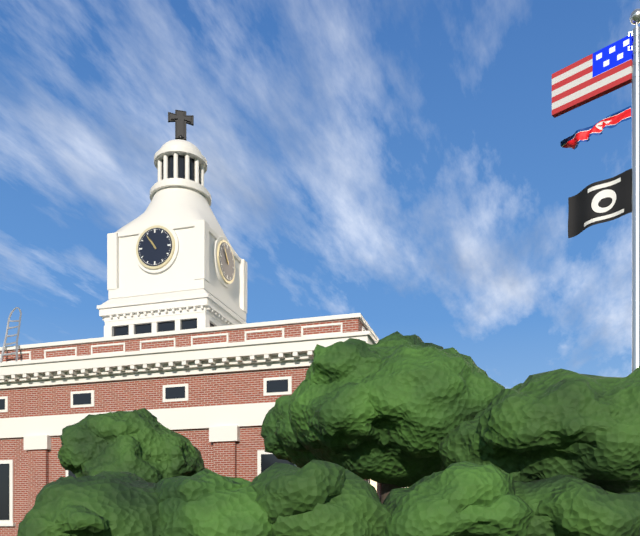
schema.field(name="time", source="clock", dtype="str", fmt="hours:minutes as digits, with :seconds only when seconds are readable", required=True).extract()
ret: 10:54
